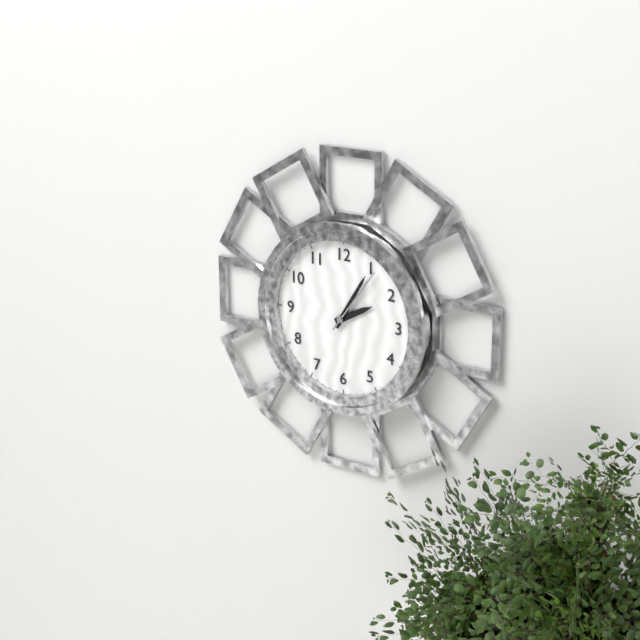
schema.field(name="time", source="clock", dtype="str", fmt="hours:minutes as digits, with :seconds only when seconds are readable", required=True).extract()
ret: 2:05:06
